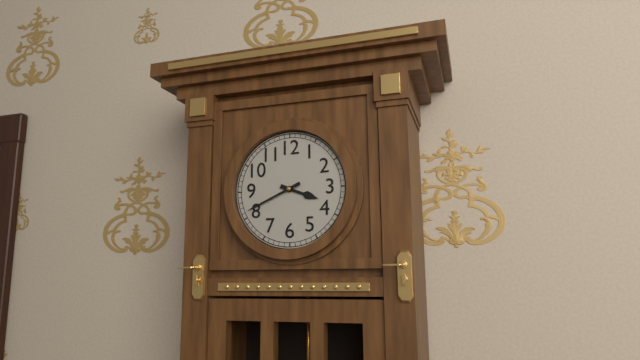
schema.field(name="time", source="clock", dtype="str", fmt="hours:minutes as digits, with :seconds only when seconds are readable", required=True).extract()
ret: 3:41
